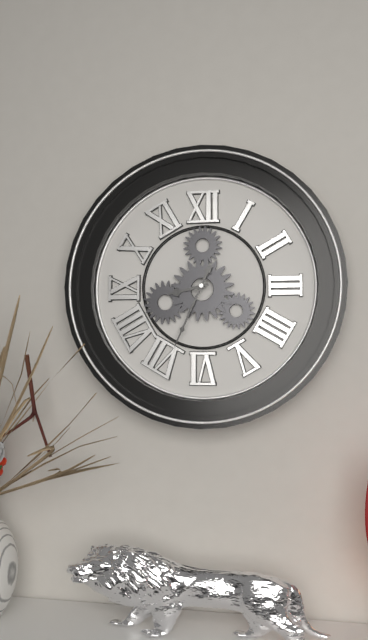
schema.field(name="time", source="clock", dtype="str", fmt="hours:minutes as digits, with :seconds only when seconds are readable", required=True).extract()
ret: 8:34
